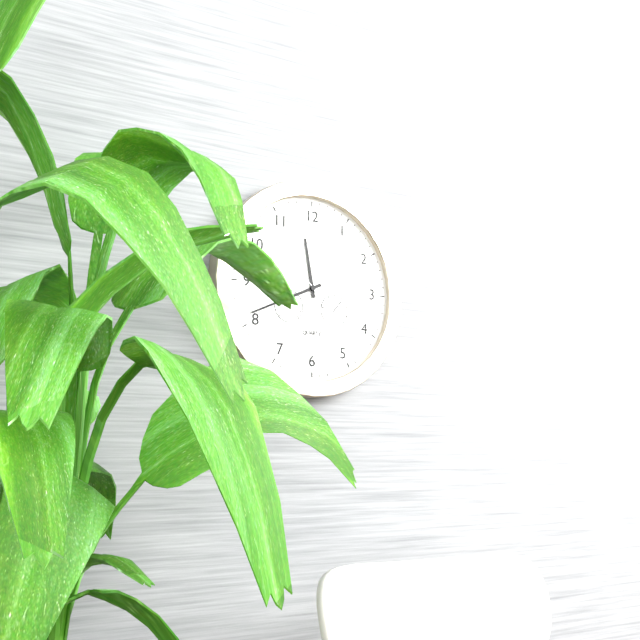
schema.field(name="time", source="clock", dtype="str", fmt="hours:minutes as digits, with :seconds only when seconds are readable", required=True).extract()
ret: 11:41:23
